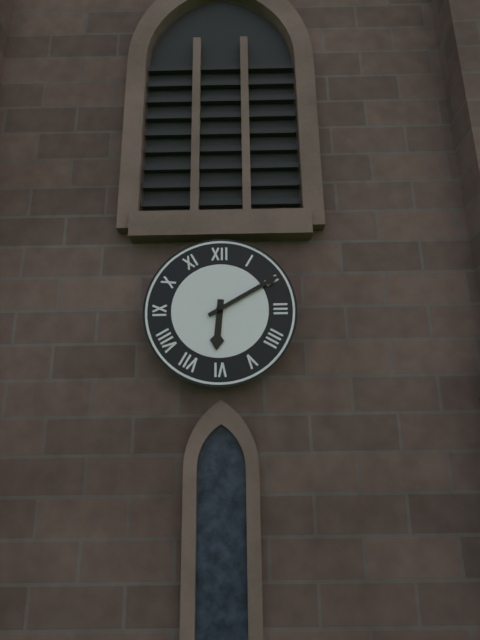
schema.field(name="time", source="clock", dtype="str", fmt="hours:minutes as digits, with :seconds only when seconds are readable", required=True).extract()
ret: 6:10
